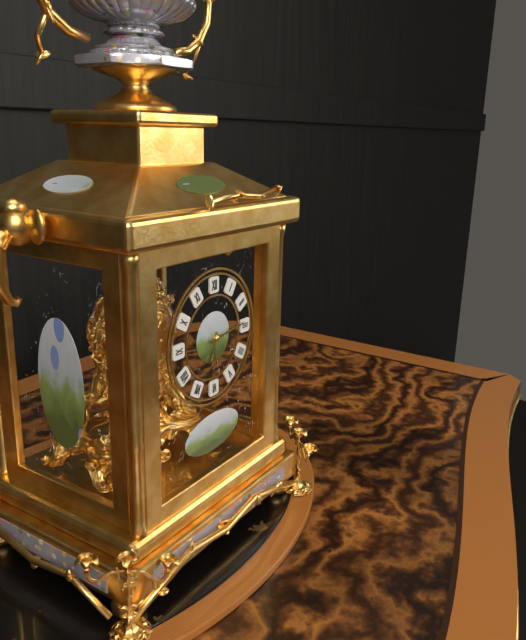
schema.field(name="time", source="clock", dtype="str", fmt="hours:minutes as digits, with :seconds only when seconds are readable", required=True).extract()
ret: 6:14
